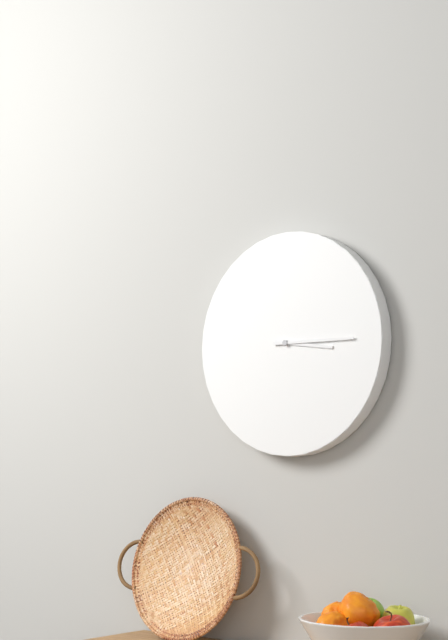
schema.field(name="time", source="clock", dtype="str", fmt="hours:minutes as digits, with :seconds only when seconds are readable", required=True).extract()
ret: 3:15
